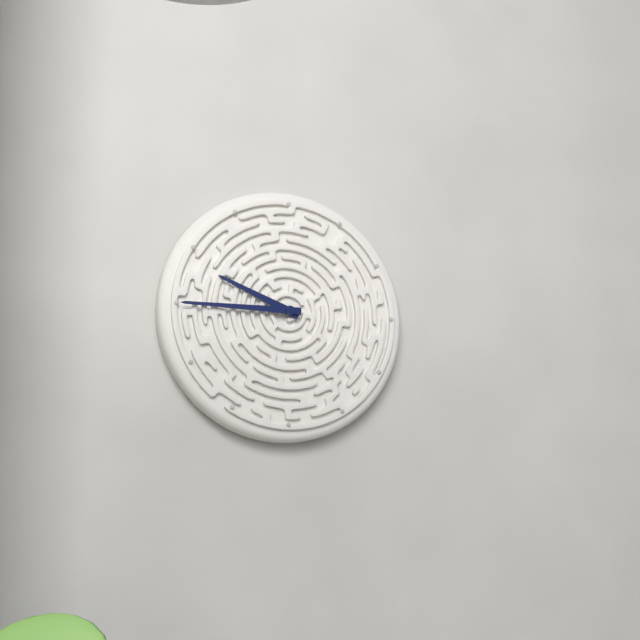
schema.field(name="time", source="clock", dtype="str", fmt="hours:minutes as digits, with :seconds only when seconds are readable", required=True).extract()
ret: 9:45
